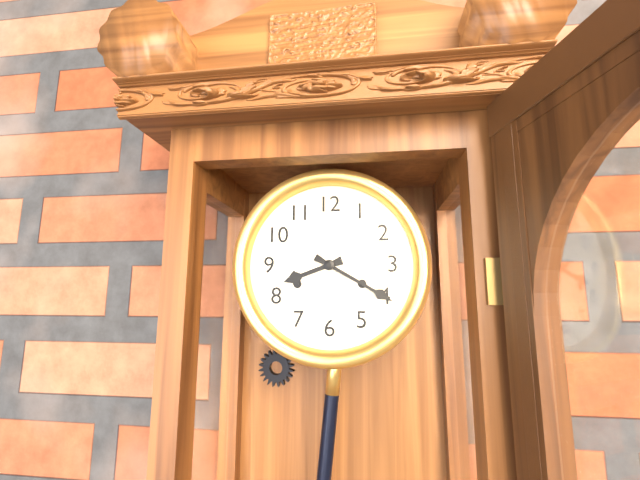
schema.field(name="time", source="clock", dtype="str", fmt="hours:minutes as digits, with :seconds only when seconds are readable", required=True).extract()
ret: 8:20
